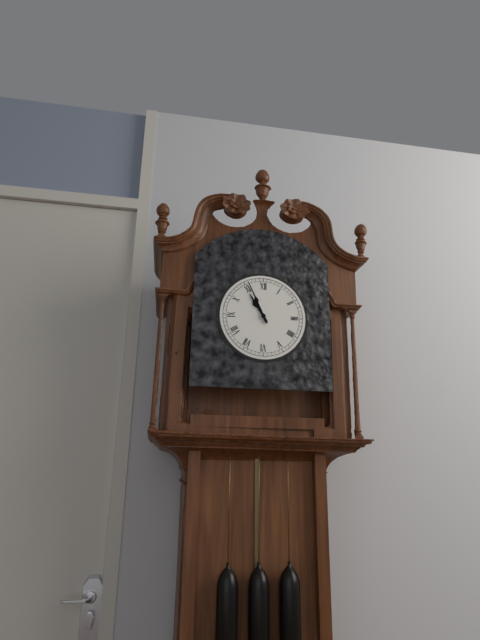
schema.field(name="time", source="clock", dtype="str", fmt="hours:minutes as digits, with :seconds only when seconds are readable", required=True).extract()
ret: 10:56
